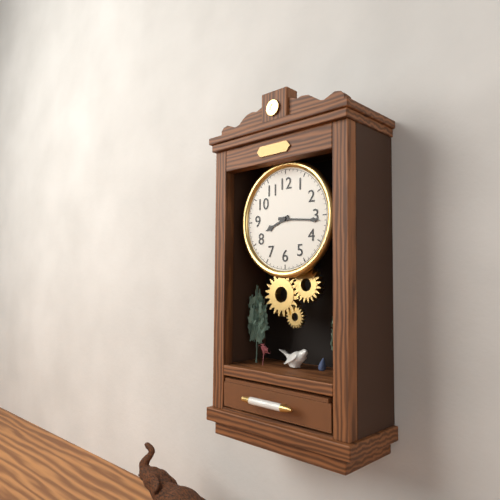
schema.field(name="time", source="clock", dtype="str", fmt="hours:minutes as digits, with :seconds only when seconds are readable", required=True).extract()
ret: 8:16
